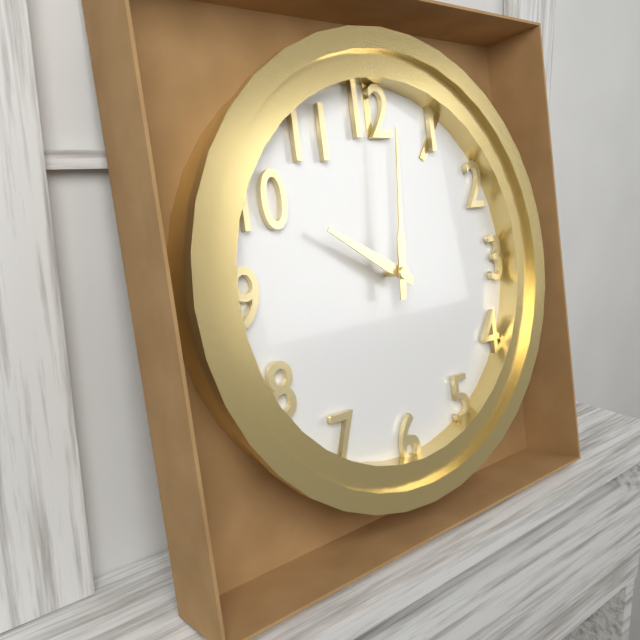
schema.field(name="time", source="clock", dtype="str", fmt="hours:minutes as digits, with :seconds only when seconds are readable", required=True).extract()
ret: 10:01
